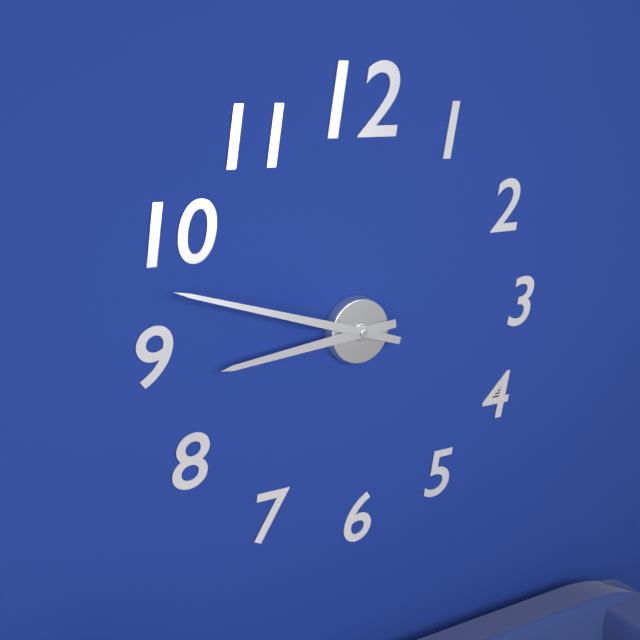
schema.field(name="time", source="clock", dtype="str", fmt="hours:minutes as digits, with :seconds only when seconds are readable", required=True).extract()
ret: 8:48
